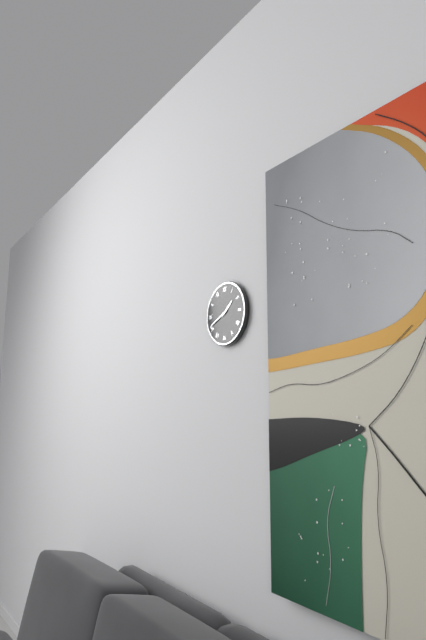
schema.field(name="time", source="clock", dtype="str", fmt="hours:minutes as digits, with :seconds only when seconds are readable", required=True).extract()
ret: 1:41
